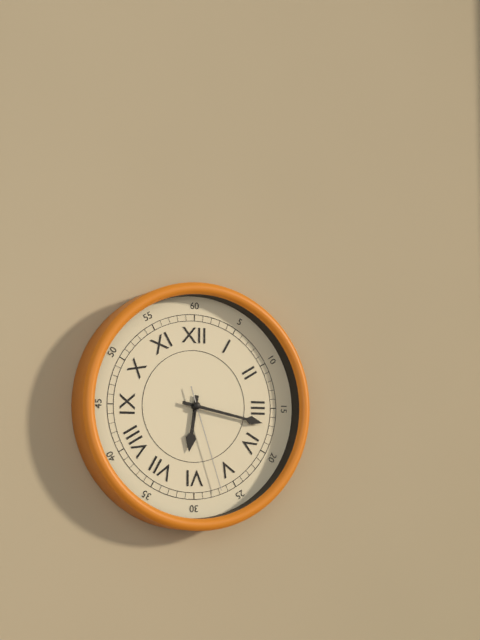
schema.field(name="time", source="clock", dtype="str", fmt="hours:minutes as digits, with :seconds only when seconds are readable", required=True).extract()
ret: 6:17:27
